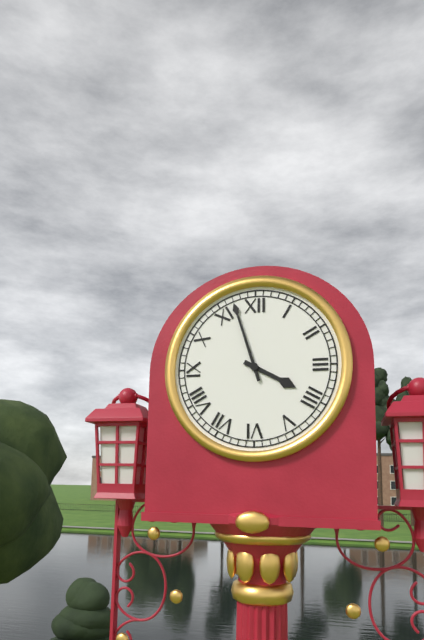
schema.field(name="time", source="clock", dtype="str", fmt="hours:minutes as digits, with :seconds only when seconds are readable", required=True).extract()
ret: 3:57
